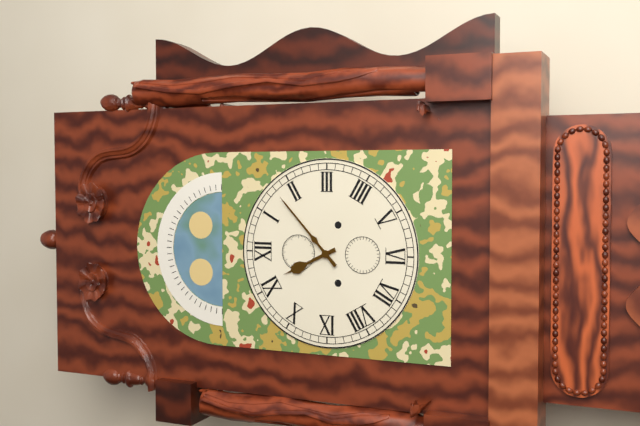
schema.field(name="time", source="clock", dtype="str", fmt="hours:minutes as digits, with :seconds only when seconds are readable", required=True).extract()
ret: 11:08
